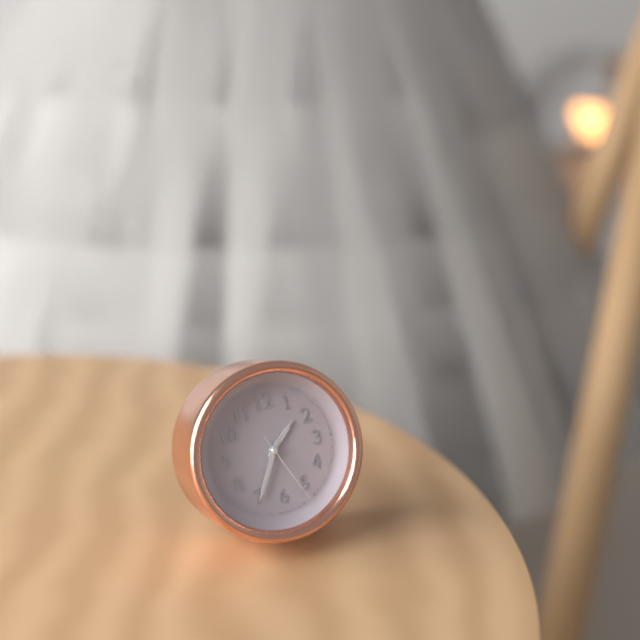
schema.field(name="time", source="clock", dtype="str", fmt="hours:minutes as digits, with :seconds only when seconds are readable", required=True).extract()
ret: 1:35:26
